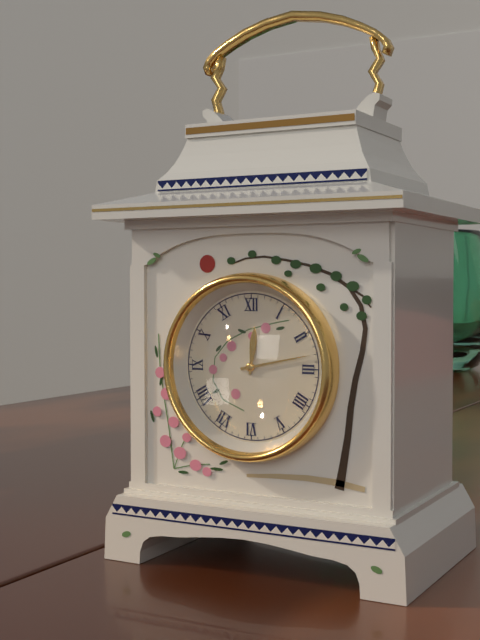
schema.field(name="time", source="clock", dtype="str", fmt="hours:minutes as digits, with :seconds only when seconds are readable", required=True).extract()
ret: 12:13
